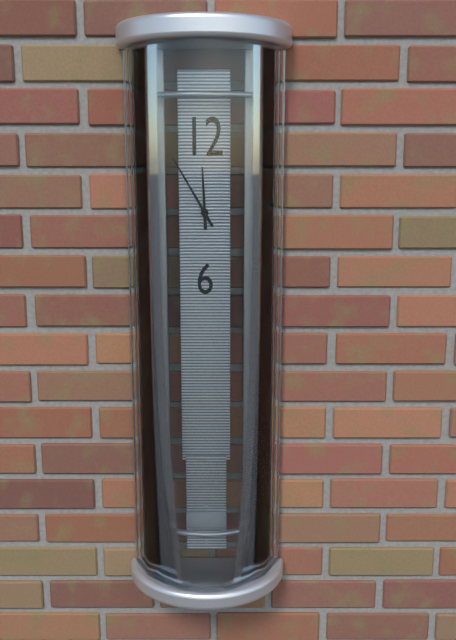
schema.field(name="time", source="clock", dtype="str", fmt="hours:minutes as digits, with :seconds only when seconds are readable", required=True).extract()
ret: 11:55
